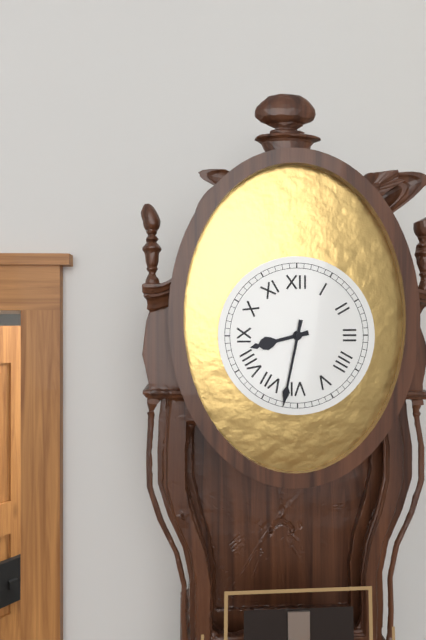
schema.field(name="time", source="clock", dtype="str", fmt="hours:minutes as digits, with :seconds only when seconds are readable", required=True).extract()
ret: 8:32
